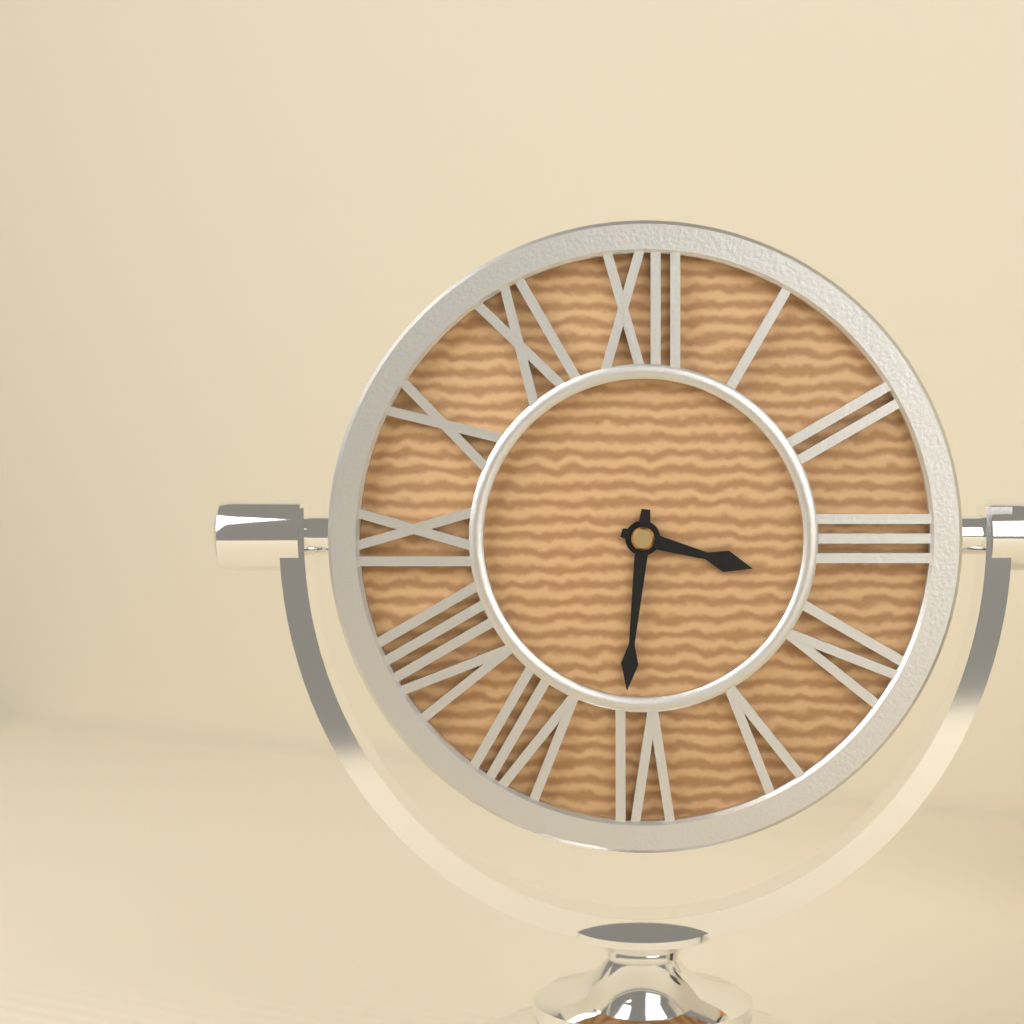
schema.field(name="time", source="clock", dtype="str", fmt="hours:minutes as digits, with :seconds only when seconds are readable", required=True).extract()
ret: 3:31
